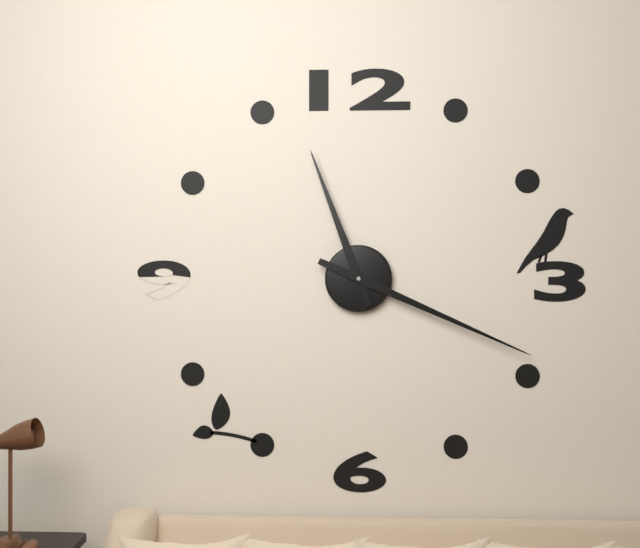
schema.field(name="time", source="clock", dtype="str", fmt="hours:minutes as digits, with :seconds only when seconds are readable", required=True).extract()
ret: 11:19
